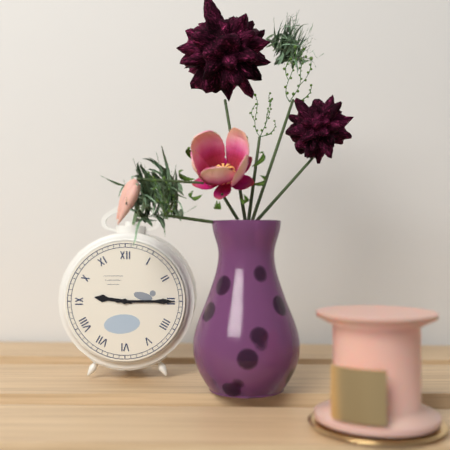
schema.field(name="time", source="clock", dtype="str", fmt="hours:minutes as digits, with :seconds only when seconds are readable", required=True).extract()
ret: 9:15
